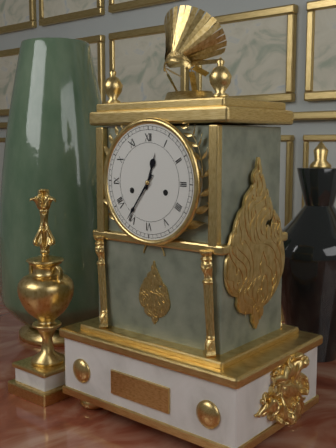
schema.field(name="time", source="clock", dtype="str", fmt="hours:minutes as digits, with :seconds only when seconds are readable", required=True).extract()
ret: 12:36
